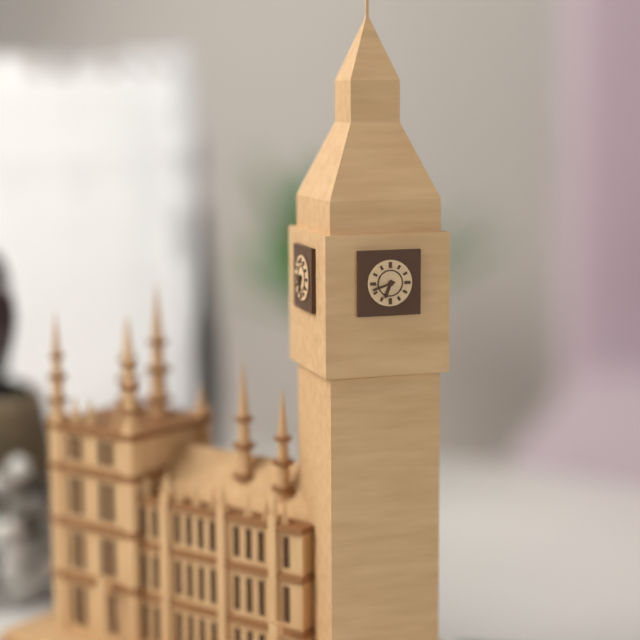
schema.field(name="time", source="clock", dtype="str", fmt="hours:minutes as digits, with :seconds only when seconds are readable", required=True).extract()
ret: 6:42
